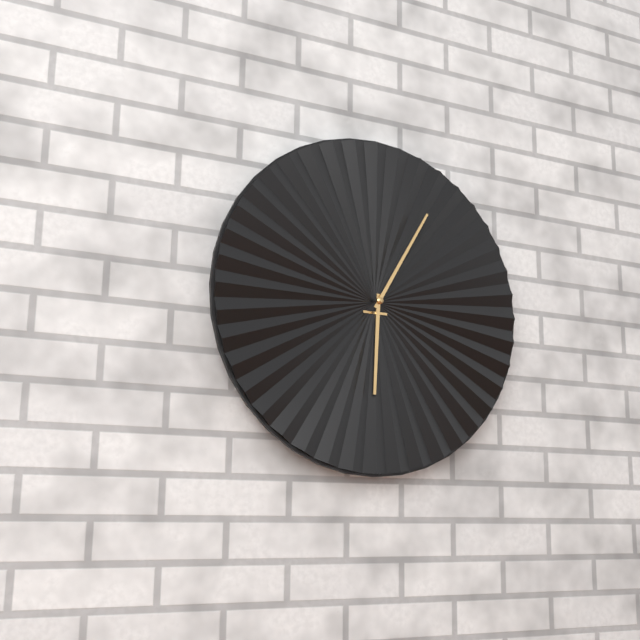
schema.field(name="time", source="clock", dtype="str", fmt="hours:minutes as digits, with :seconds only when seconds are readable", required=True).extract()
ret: 6:05
